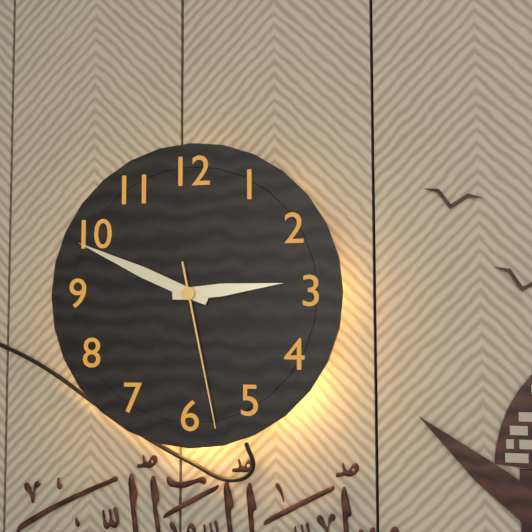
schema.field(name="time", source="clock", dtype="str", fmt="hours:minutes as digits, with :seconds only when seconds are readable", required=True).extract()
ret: 2:49:28
